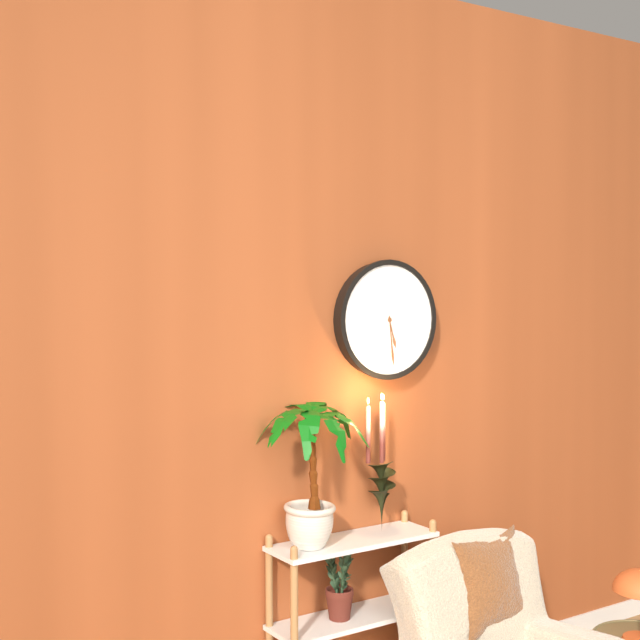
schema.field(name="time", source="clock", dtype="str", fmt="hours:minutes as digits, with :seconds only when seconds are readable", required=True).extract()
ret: 5:29
